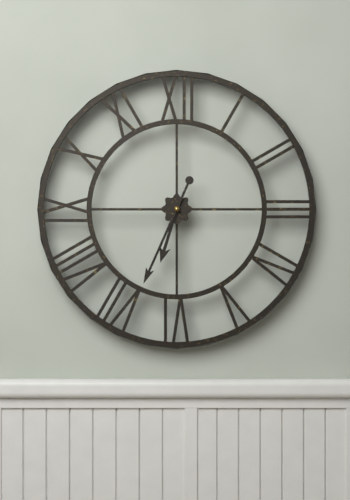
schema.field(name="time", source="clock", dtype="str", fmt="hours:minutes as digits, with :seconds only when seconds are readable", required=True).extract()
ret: 6:34
